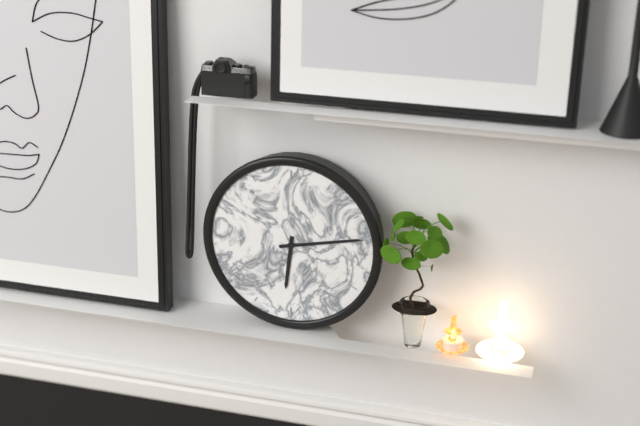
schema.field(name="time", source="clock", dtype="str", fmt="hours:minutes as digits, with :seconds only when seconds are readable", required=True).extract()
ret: 6:13
